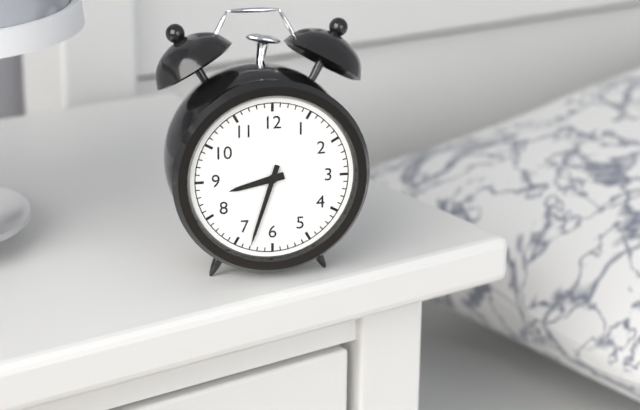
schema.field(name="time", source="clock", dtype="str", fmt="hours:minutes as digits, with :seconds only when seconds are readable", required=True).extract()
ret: 8:33
